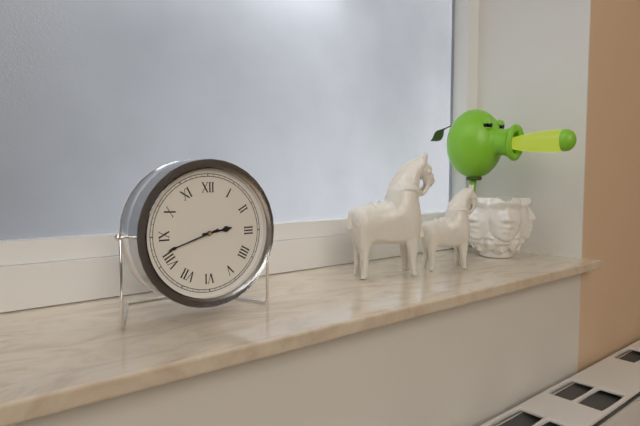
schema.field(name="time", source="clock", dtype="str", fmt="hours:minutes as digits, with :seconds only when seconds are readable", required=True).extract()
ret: 2:42
